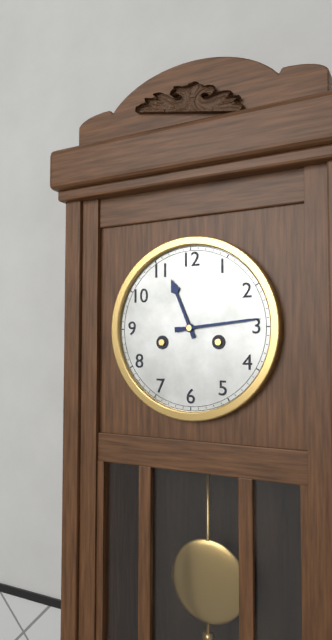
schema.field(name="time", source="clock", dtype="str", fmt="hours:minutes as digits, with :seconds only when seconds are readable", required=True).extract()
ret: 11:14
